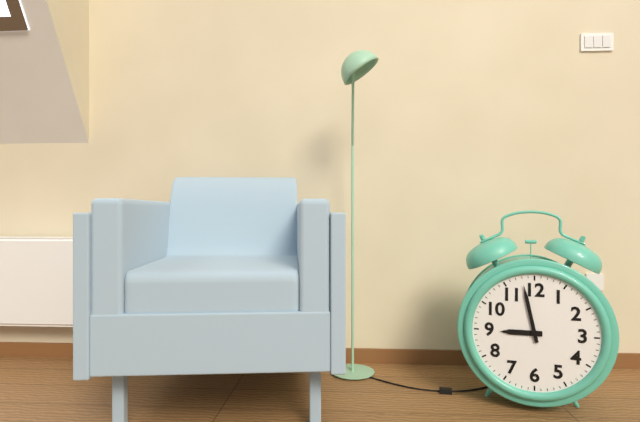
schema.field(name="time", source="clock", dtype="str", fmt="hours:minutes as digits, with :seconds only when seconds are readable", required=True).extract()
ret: 8:58
